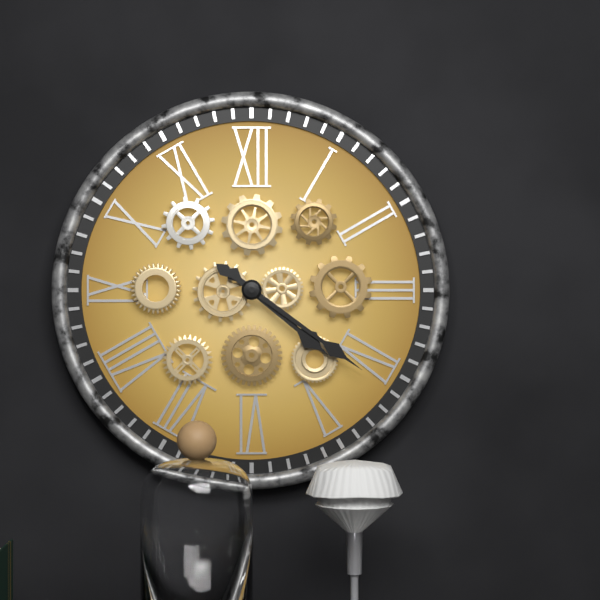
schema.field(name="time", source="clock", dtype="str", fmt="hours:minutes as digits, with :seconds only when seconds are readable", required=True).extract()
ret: 4:21
